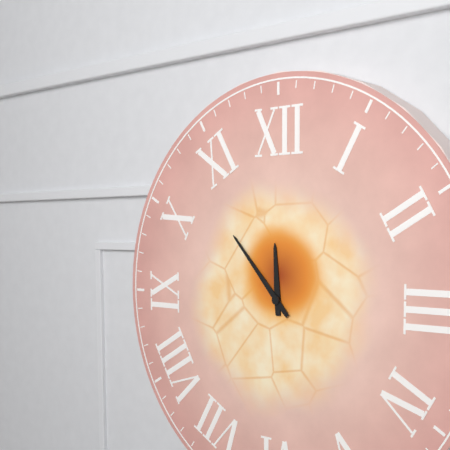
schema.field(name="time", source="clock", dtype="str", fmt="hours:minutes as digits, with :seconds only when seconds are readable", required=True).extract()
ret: 11:53
